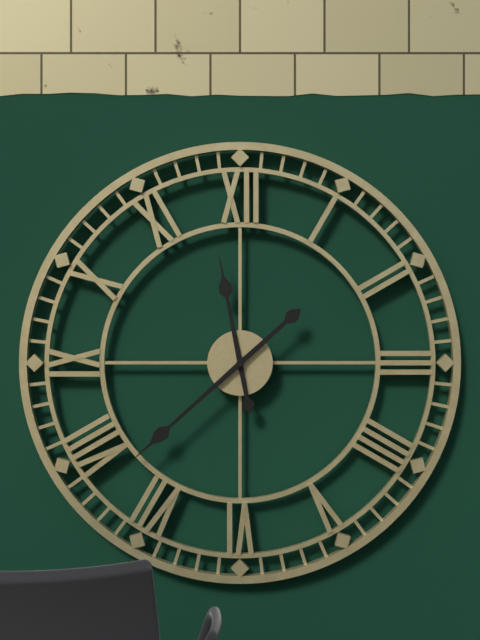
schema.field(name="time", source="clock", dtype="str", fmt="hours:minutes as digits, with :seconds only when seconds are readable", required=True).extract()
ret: 11:38
